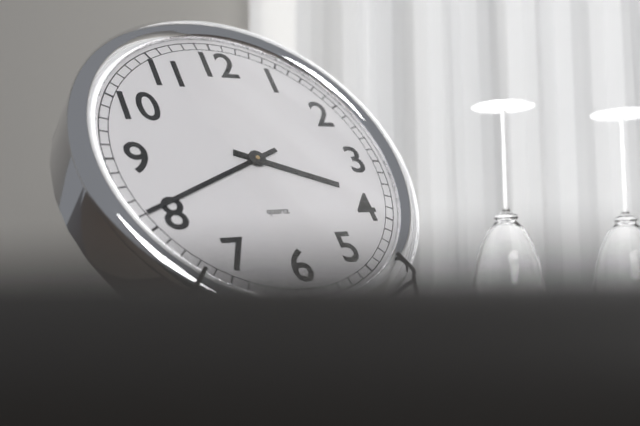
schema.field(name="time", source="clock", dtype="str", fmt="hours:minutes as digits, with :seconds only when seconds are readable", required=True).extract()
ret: 3:41
